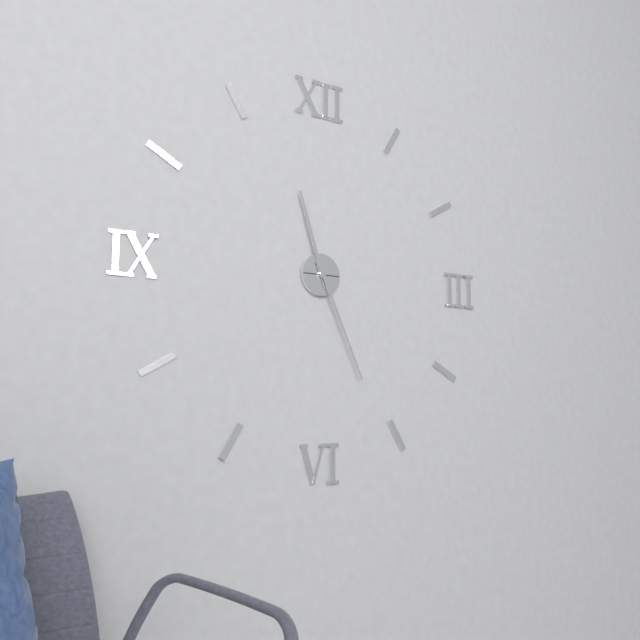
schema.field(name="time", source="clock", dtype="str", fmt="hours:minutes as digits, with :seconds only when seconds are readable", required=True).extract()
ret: 11:26
